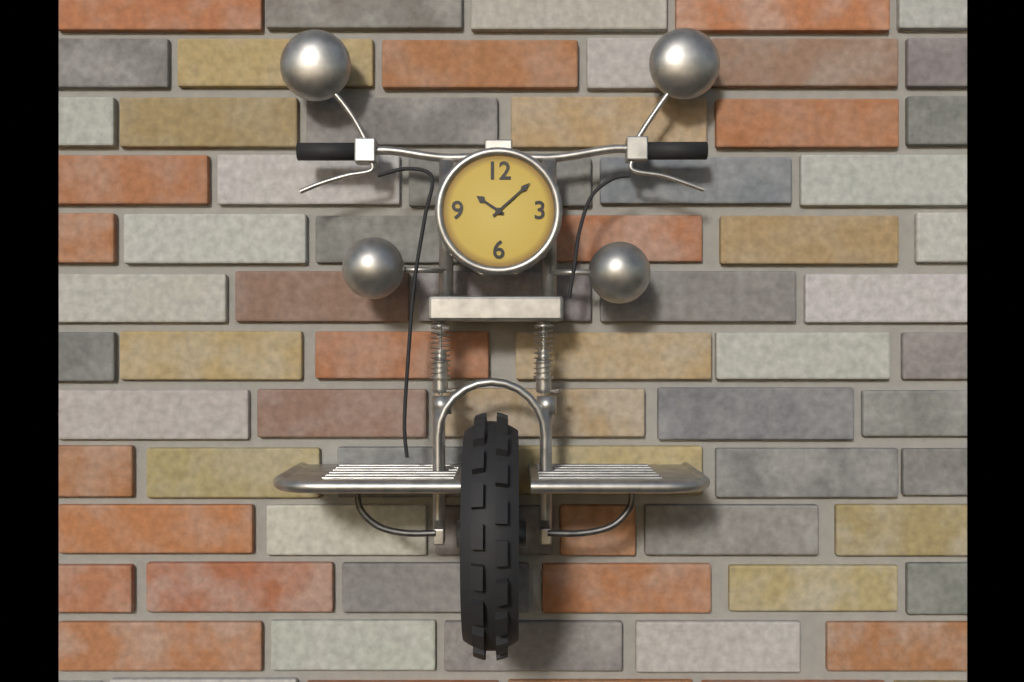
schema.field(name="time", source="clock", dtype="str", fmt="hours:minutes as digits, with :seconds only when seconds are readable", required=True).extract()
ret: 10:08
